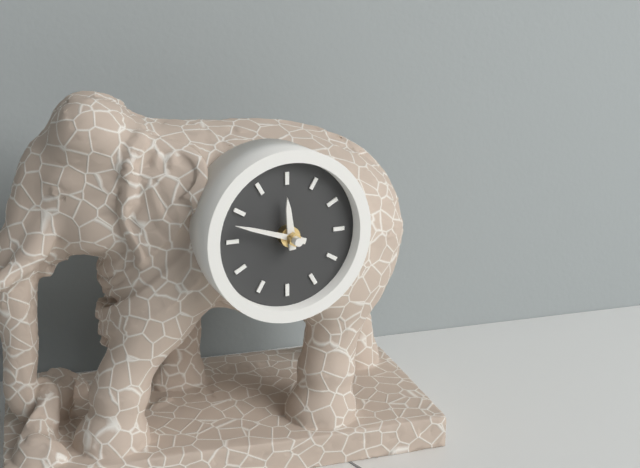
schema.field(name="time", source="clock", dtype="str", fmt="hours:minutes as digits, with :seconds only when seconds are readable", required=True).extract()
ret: 11:48
